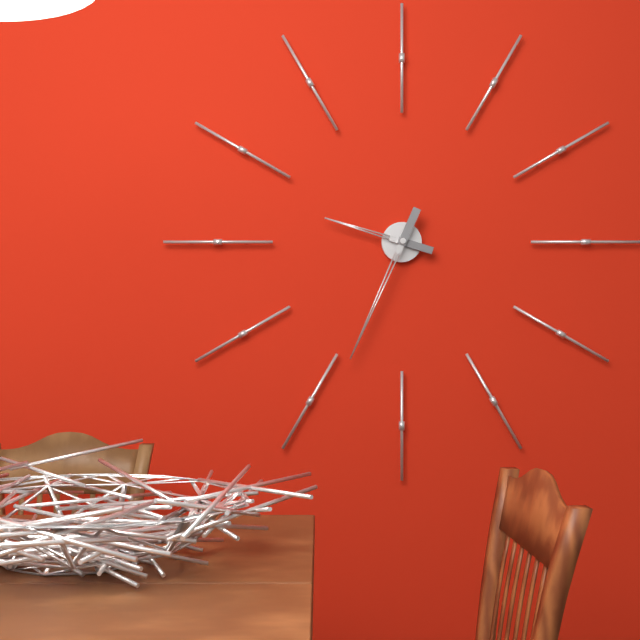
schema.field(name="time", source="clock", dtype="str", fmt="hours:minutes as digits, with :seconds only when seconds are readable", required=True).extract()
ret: 9:34
